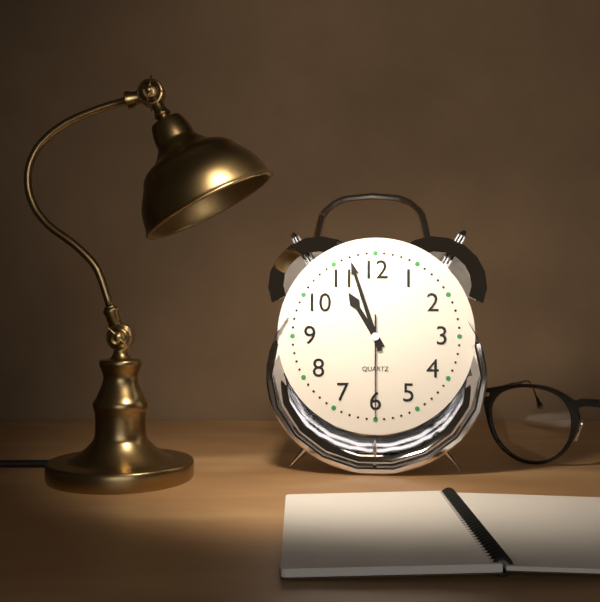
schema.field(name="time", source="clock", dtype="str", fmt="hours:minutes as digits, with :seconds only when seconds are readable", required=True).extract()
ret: 10:57:30
